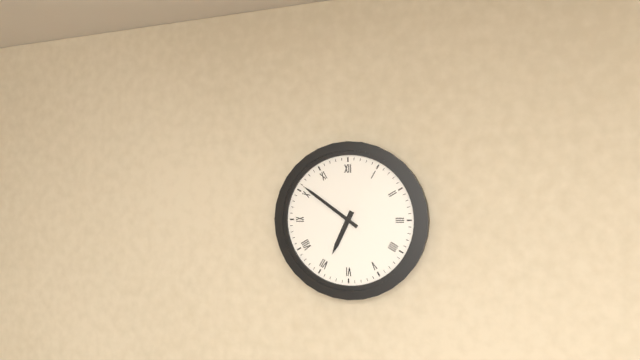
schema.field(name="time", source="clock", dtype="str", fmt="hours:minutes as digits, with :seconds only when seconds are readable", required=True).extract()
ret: 6:51
